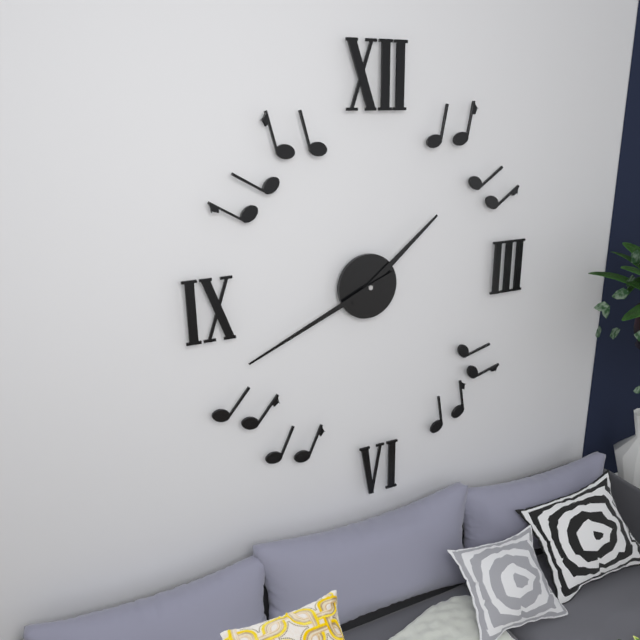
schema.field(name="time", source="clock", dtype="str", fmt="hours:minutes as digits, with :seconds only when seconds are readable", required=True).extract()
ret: 1:41
